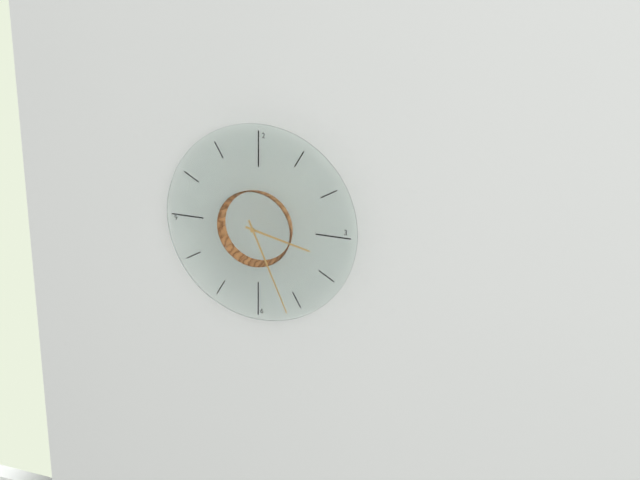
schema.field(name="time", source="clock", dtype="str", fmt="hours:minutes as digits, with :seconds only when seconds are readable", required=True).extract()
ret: 3:26
